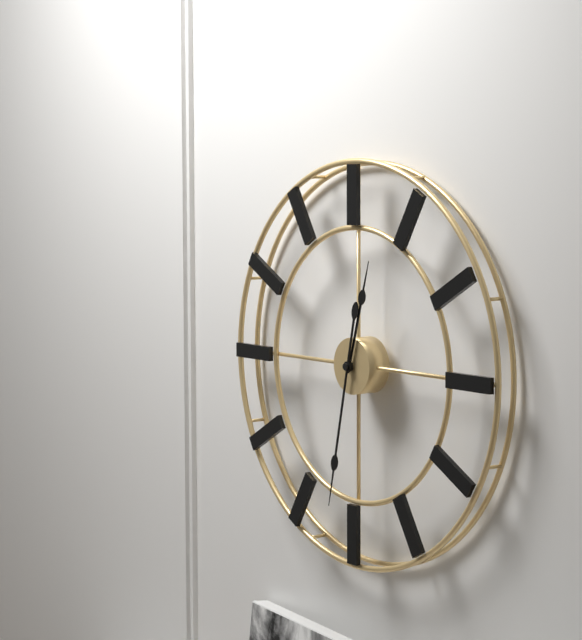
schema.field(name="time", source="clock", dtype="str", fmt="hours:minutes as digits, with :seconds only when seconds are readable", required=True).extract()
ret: 12:32
